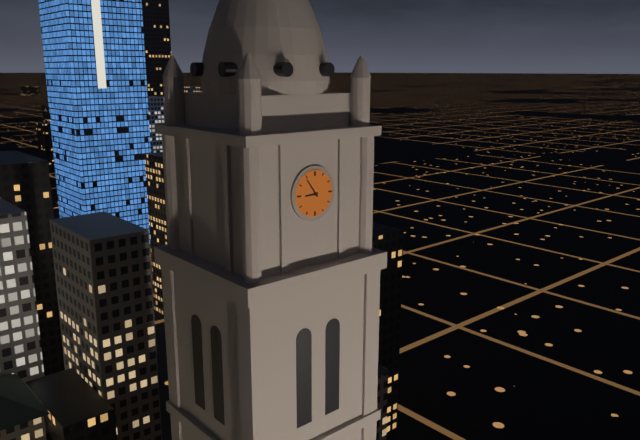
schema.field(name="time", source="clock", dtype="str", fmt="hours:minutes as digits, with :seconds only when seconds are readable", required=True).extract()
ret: 8:54
